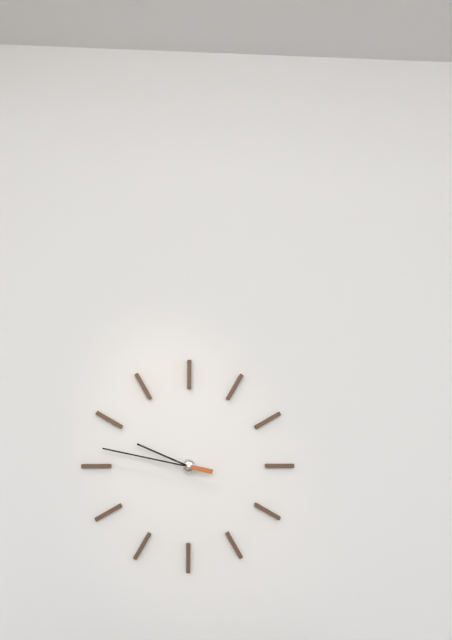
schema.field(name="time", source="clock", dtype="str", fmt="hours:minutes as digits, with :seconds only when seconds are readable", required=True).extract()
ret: 9:47
